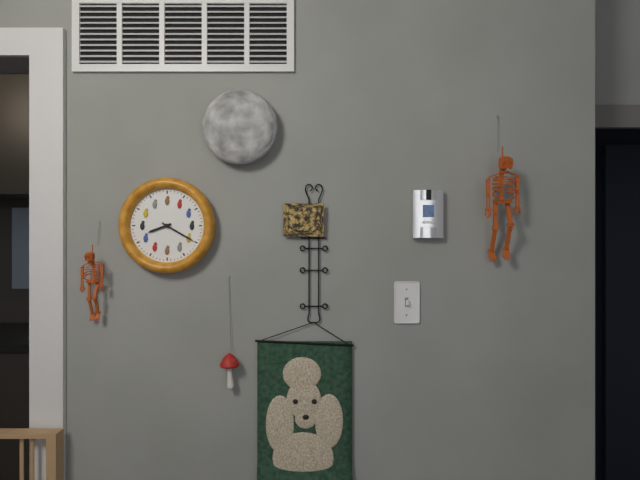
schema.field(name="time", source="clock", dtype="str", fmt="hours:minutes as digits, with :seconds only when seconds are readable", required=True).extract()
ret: 8:20
